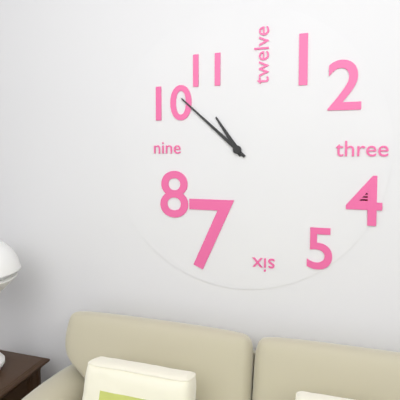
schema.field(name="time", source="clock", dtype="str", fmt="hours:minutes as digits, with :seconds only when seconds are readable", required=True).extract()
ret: 10:52
